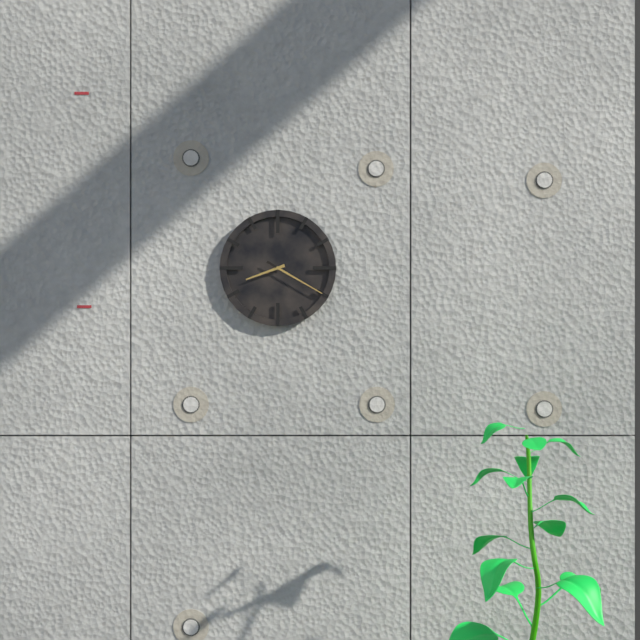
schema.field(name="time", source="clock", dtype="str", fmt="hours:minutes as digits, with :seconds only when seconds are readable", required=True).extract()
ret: 8:20
